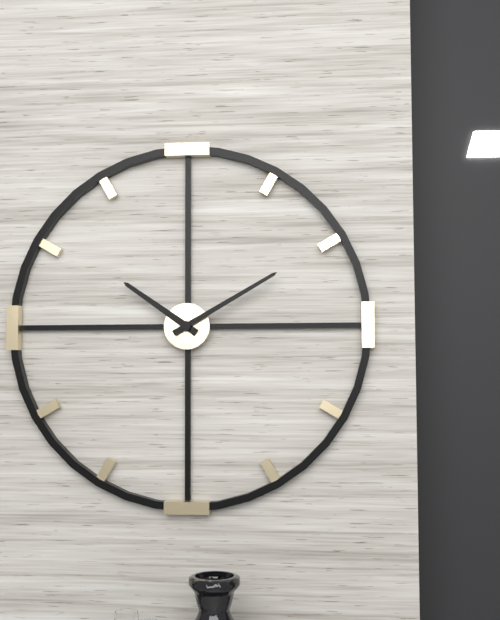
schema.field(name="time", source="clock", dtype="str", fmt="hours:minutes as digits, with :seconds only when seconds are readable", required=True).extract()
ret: 10:10
